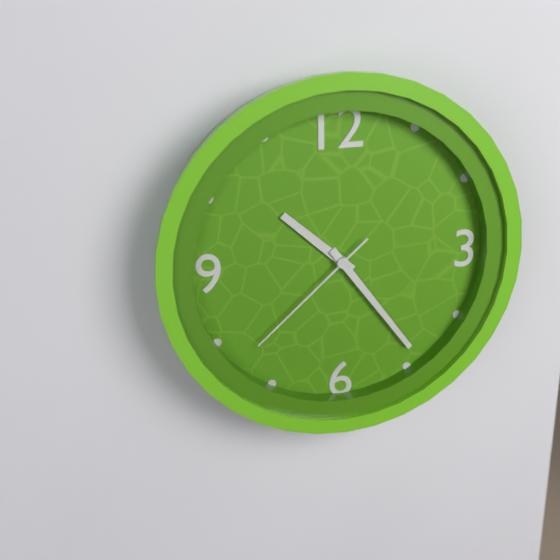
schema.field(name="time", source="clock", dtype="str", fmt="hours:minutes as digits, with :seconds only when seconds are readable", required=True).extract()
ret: 10:24:38
